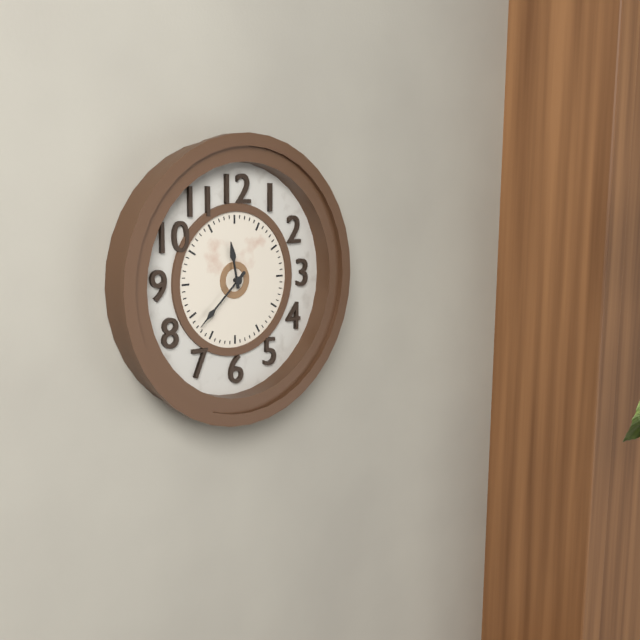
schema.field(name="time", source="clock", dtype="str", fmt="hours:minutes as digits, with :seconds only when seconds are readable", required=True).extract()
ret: 11:38
